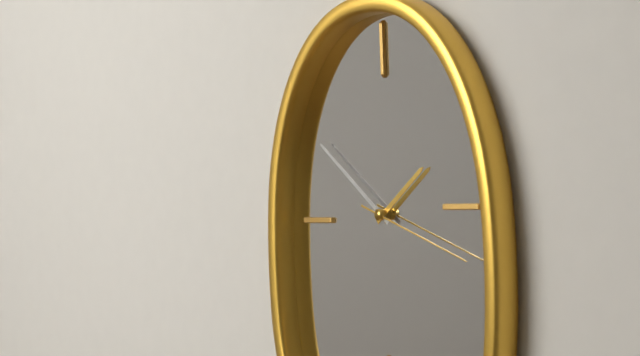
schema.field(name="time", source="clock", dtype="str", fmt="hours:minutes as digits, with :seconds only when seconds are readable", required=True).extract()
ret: 1:51:18
